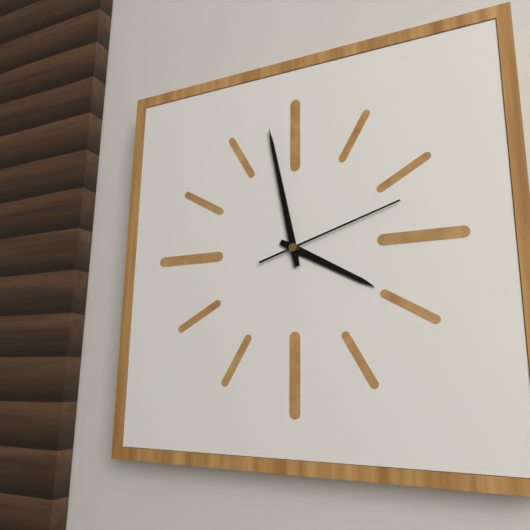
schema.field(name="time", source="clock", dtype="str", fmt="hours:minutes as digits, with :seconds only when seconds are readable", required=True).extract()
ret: 3:58:12
